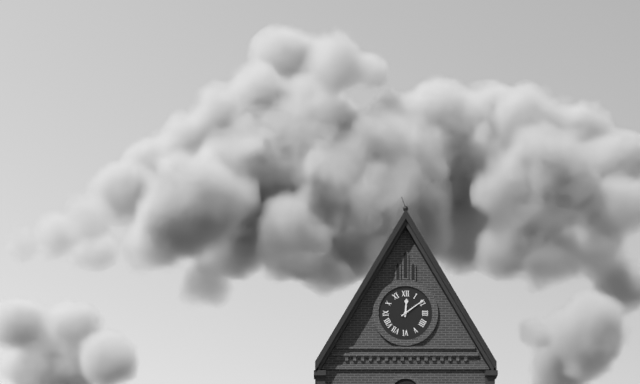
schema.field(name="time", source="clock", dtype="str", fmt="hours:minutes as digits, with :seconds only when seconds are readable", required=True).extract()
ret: 12:09
